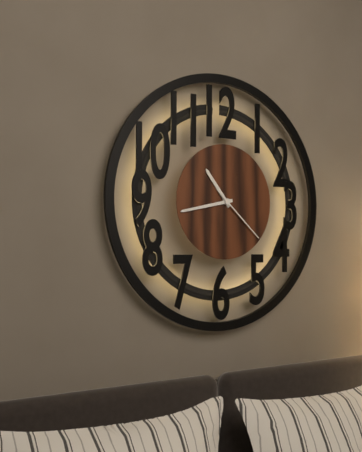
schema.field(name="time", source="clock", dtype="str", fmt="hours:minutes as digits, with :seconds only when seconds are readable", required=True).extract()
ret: 10:43:22
